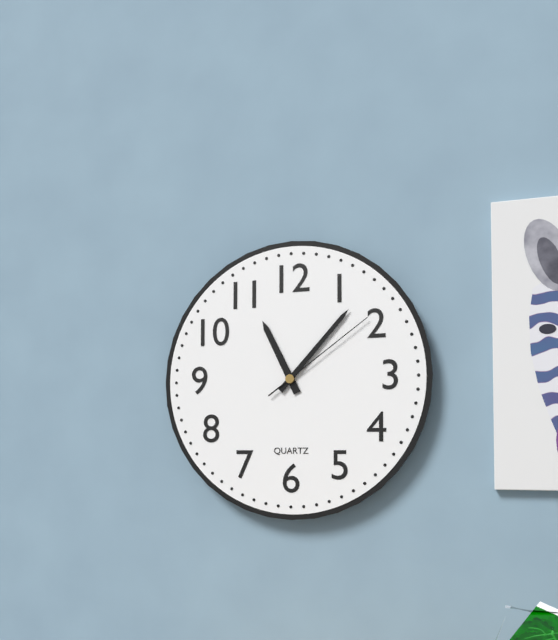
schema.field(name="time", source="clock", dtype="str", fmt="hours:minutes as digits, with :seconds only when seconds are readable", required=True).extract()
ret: 11:07:09
